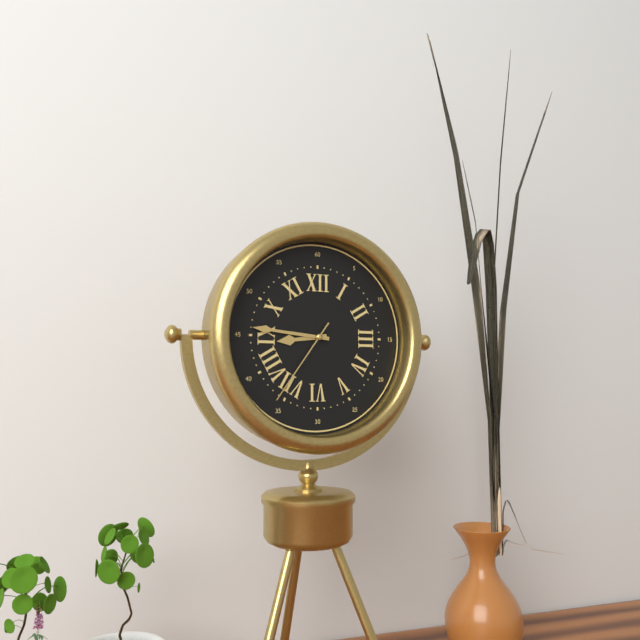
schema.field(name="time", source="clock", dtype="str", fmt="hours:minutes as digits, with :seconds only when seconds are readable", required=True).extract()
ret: 8:46:36
